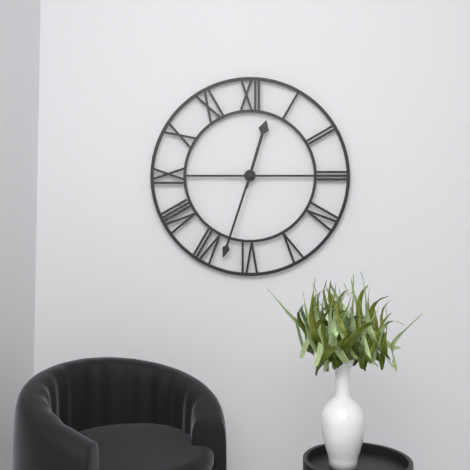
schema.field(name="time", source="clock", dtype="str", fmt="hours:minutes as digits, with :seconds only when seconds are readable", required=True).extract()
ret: 12:33
